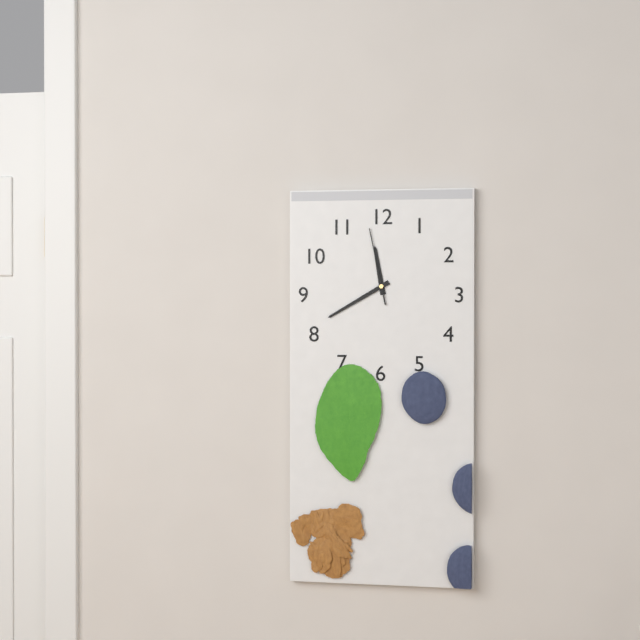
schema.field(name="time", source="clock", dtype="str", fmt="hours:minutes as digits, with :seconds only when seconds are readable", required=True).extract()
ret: 11:40:58
